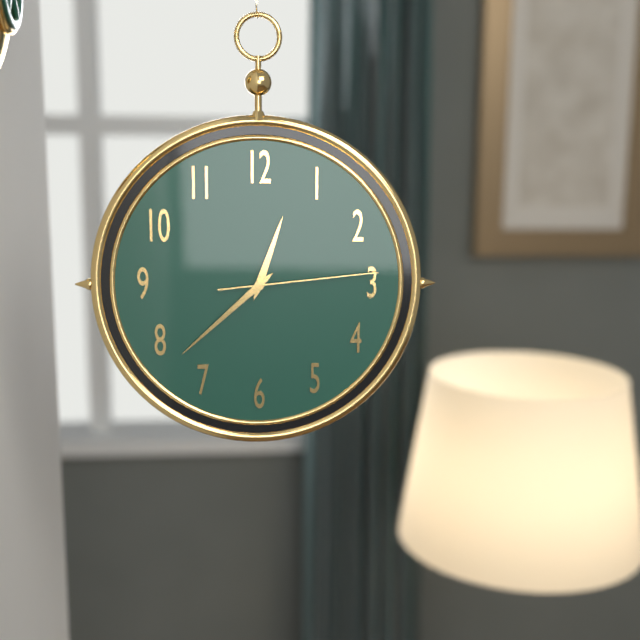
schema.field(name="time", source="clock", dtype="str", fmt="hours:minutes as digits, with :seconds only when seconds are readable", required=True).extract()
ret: 12:38:14
